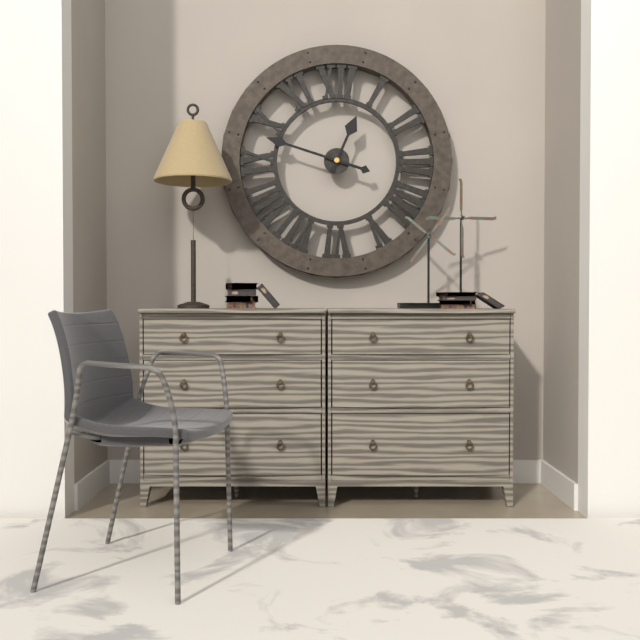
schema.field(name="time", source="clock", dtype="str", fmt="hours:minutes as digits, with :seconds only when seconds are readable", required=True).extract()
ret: 12:48
